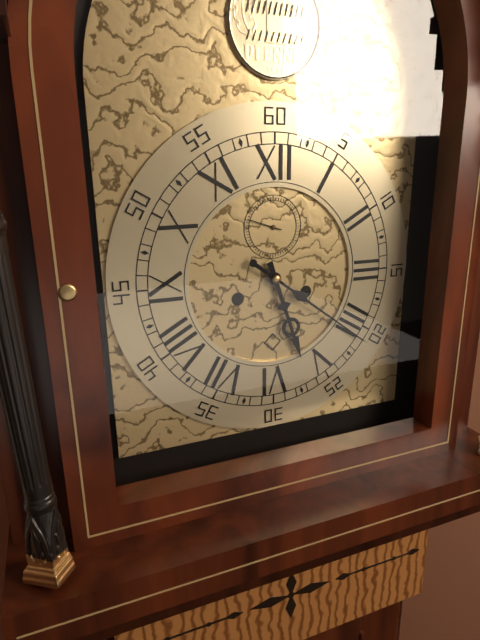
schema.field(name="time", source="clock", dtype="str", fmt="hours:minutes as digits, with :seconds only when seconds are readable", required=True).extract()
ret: 5:21
